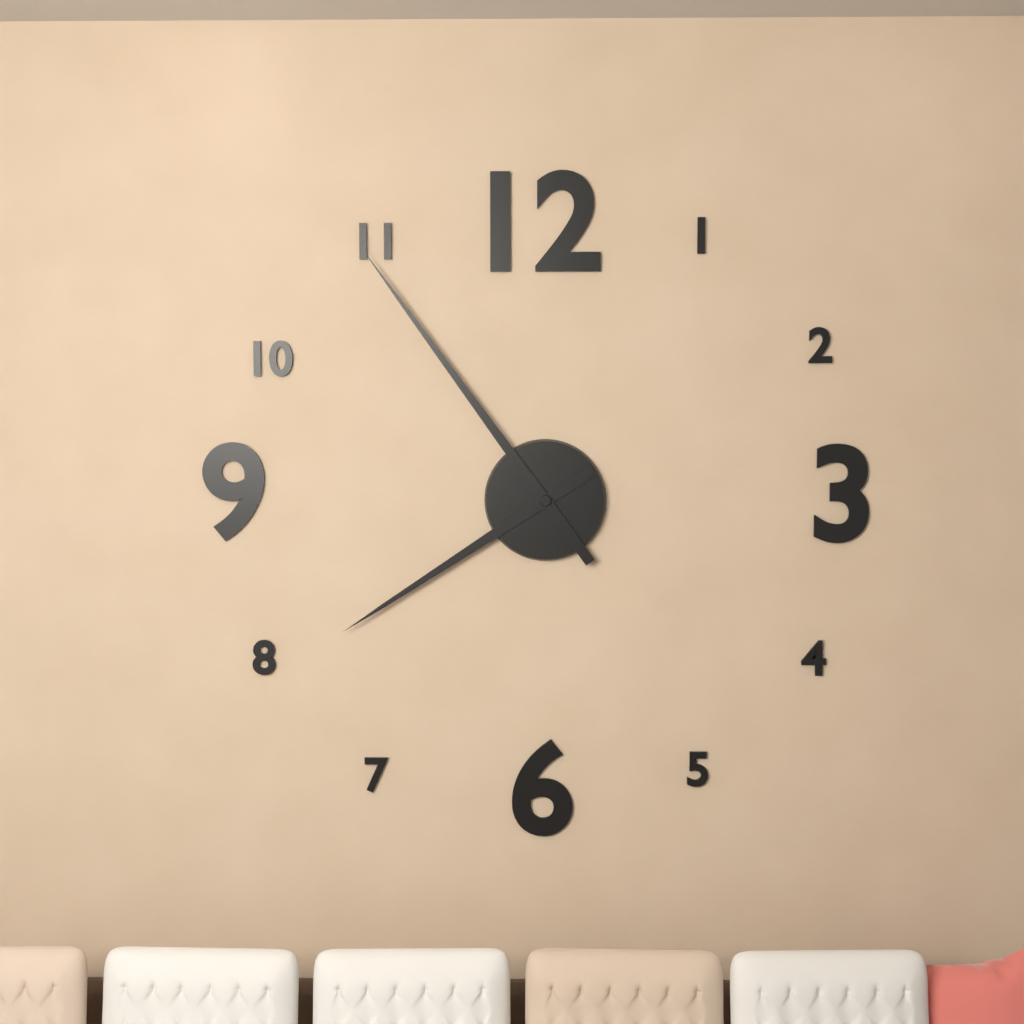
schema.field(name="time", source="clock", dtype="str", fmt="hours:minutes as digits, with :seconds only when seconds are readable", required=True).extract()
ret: 7:54
